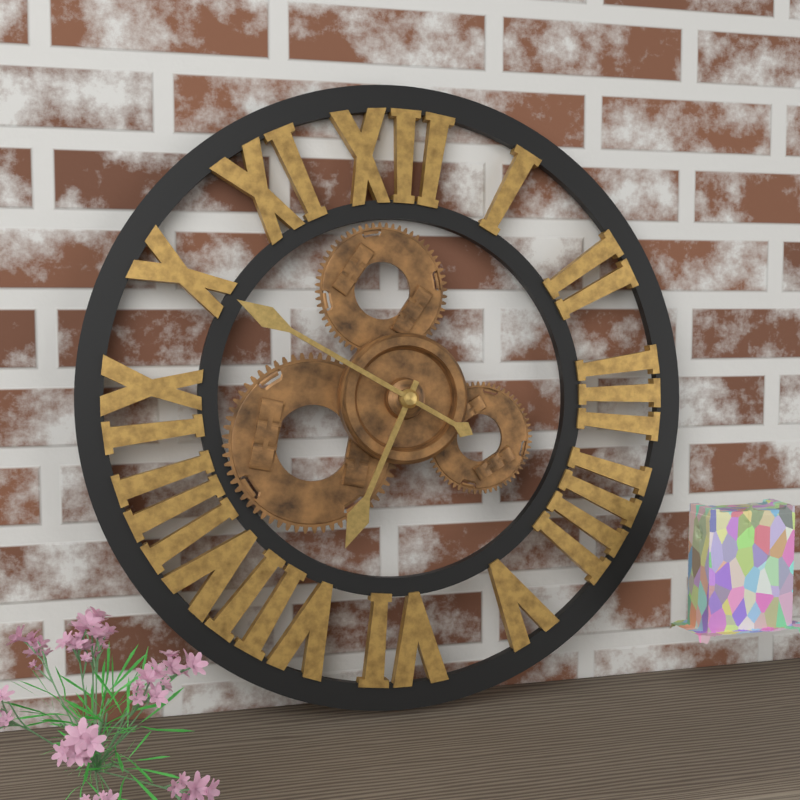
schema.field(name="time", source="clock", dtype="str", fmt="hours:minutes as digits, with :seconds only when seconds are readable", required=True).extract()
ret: 6:50
